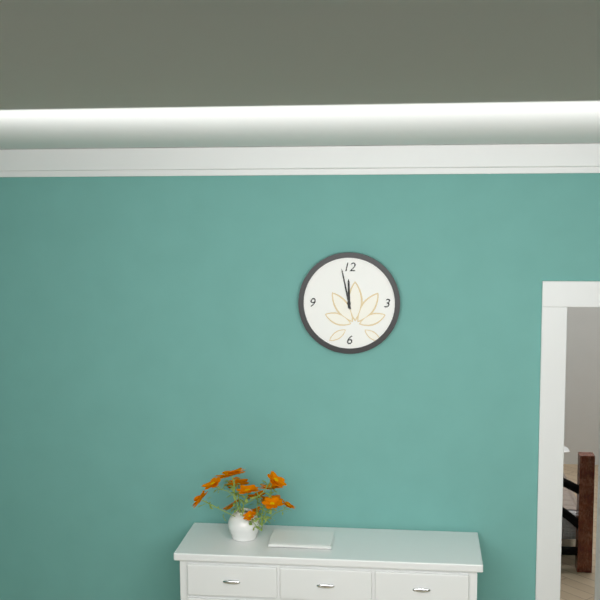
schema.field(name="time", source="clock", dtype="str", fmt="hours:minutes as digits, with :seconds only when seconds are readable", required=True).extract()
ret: 11:58
